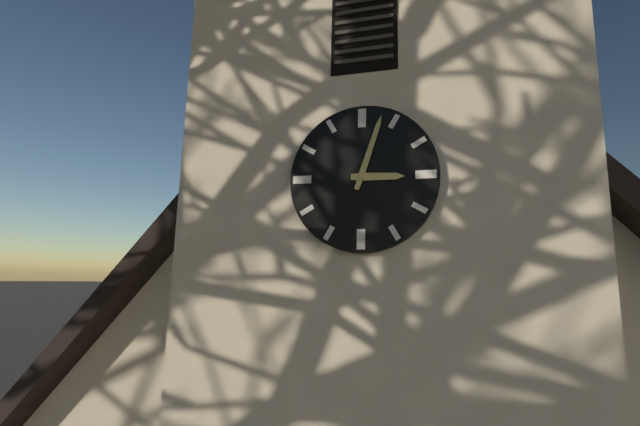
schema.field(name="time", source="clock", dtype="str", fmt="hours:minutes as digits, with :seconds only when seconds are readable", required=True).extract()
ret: 3:03
